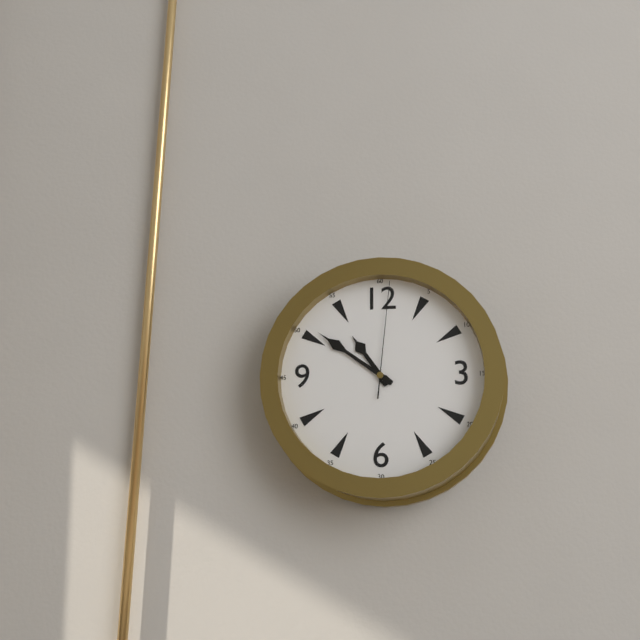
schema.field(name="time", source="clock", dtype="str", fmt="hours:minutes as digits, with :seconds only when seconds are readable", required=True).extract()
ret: 10:51:01
